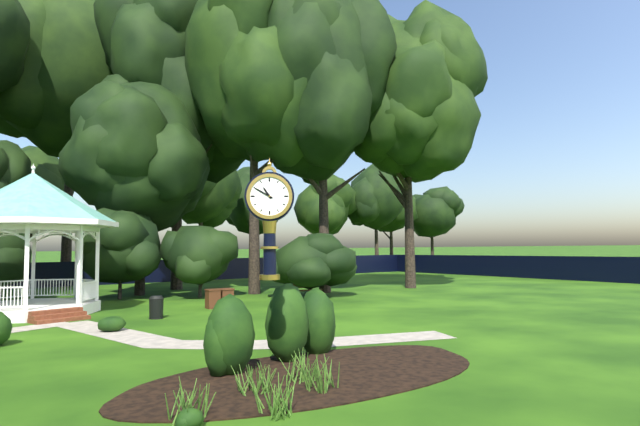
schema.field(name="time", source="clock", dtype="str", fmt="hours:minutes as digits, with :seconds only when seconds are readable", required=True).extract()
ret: 10:50
